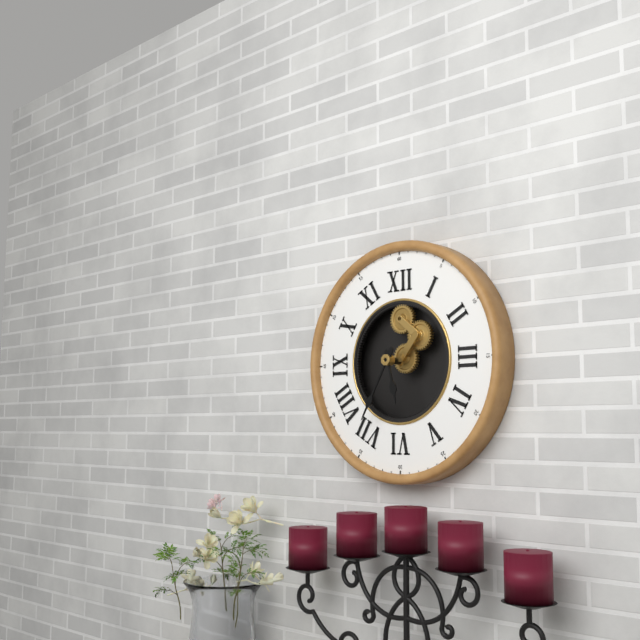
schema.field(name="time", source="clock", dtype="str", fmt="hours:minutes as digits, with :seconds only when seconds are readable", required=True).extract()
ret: 5:35
